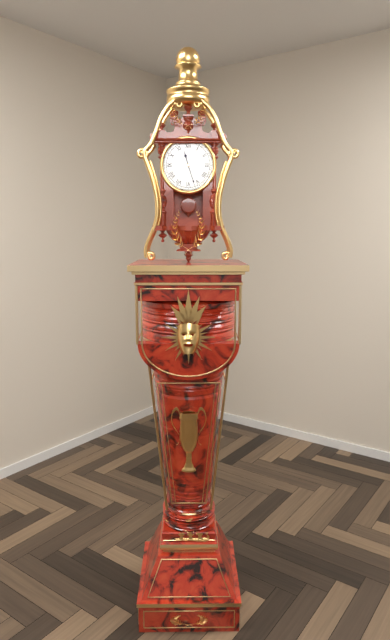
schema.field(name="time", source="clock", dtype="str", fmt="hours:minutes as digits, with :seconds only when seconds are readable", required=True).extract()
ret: 11:27
